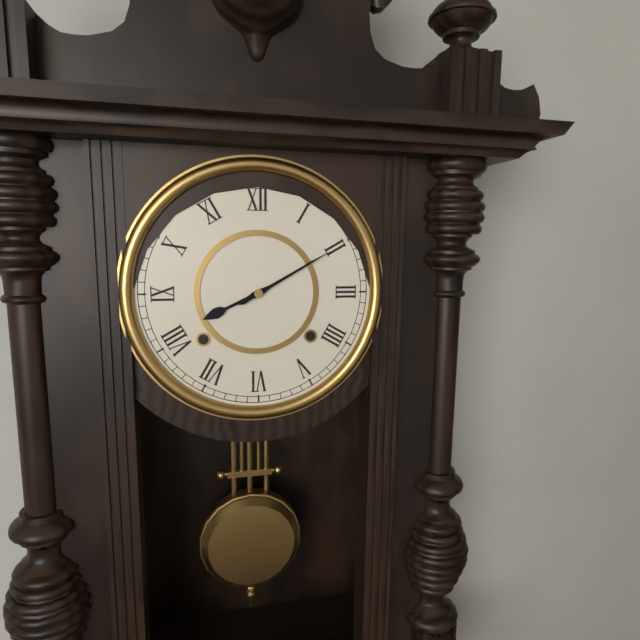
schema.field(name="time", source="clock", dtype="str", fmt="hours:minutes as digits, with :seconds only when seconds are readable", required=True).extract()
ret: 8:10
